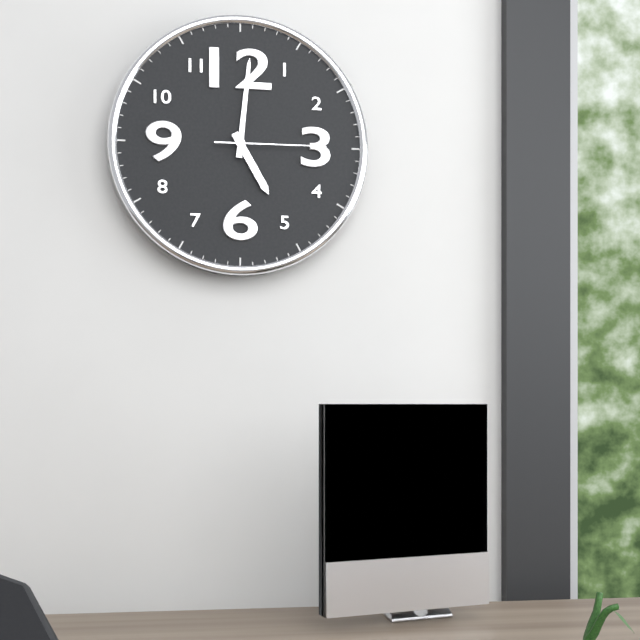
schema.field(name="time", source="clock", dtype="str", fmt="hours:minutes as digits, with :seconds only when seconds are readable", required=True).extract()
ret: 5:01:15
